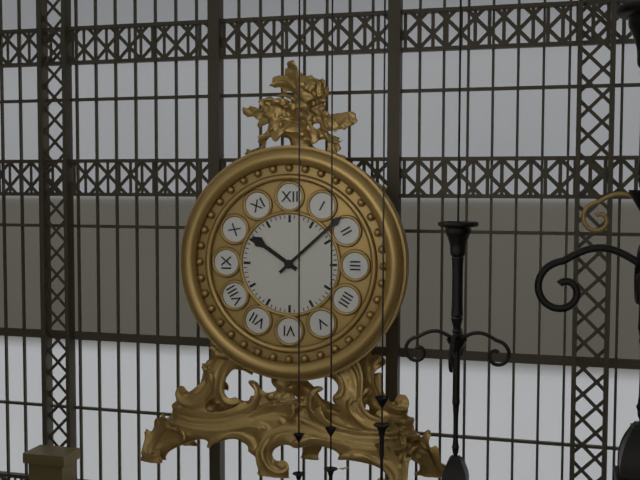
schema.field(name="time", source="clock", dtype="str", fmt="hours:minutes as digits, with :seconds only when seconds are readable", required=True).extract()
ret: 10:08
